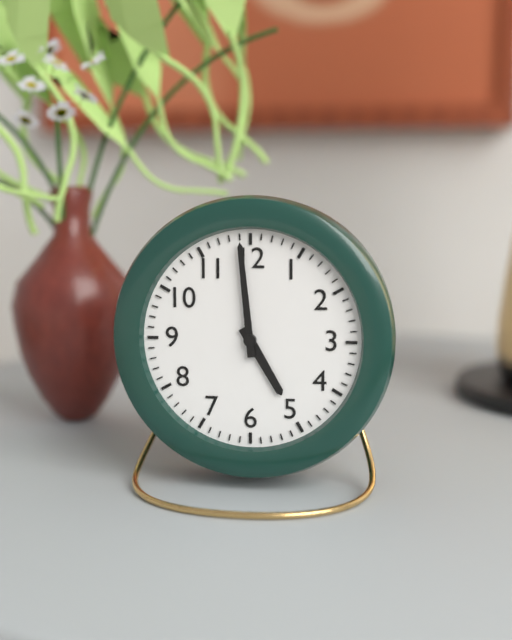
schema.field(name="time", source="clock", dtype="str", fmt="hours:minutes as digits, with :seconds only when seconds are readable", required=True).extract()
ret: 4:59
